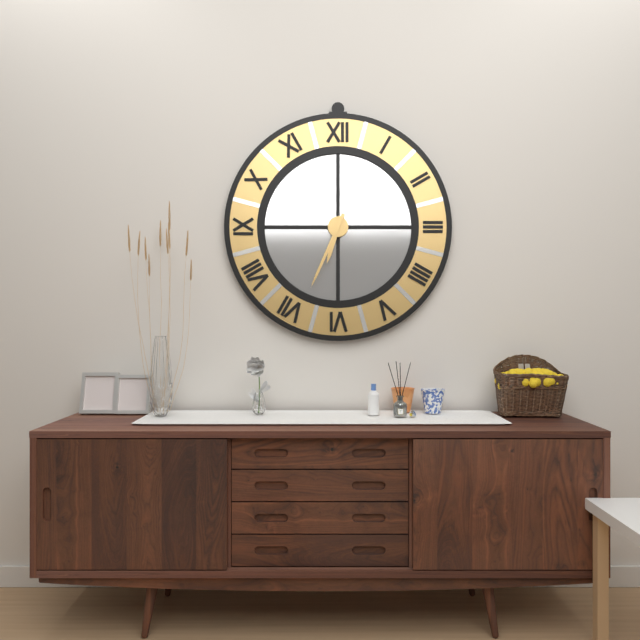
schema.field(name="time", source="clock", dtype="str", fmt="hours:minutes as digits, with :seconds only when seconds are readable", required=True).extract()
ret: 6:34
